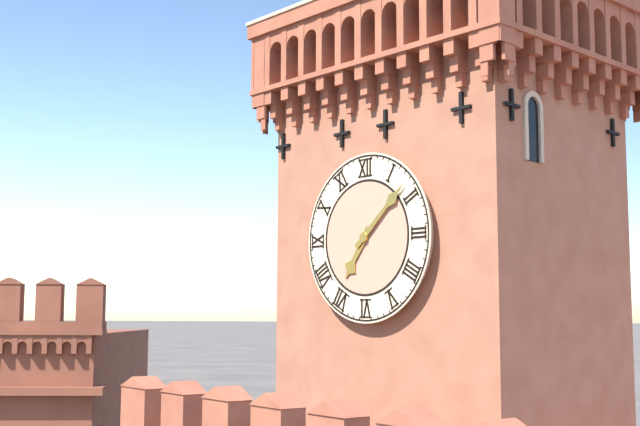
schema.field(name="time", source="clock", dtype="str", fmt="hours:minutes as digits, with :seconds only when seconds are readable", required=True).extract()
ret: 7:08
